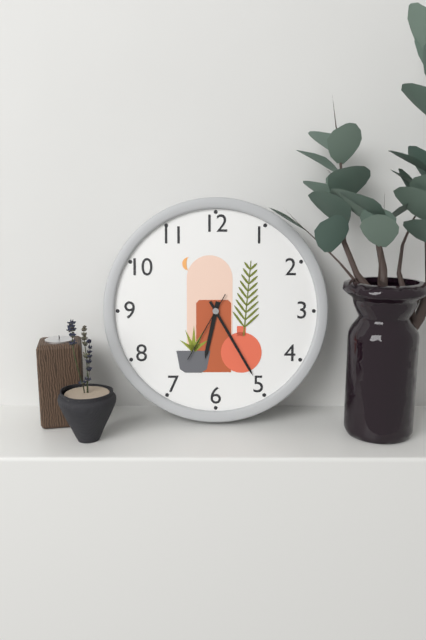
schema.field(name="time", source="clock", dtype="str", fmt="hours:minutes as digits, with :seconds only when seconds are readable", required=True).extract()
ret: 6:25:35
